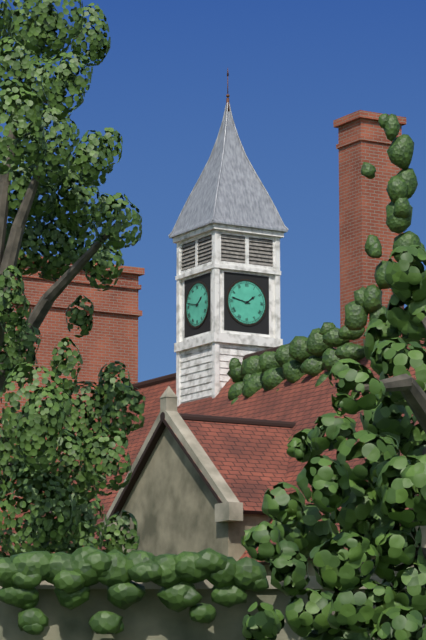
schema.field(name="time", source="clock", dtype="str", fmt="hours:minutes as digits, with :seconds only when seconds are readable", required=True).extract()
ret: 1:47
